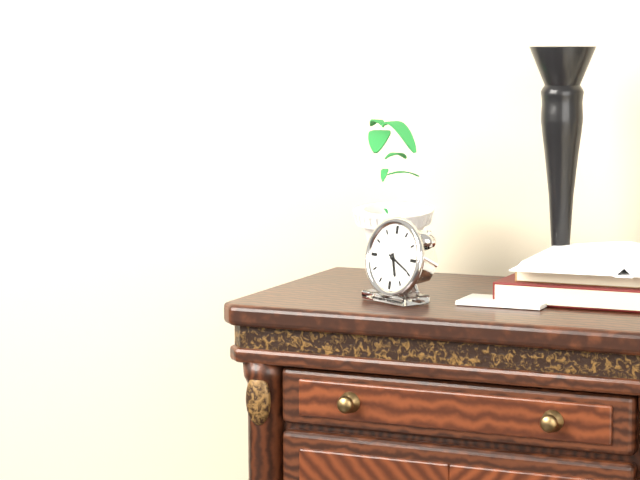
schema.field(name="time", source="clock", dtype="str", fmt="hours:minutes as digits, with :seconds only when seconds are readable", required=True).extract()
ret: 5:19
